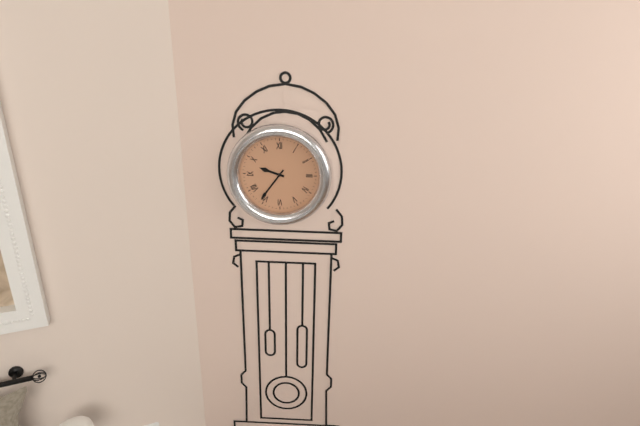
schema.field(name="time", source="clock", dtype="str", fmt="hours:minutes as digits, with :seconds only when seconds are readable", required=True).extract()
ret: 9:36
